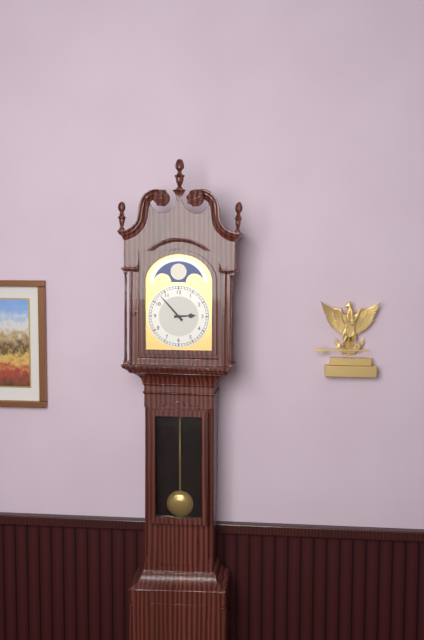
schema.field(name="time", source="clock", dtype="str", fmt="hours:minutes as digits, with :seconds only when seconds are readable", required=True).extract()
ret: 2:53
